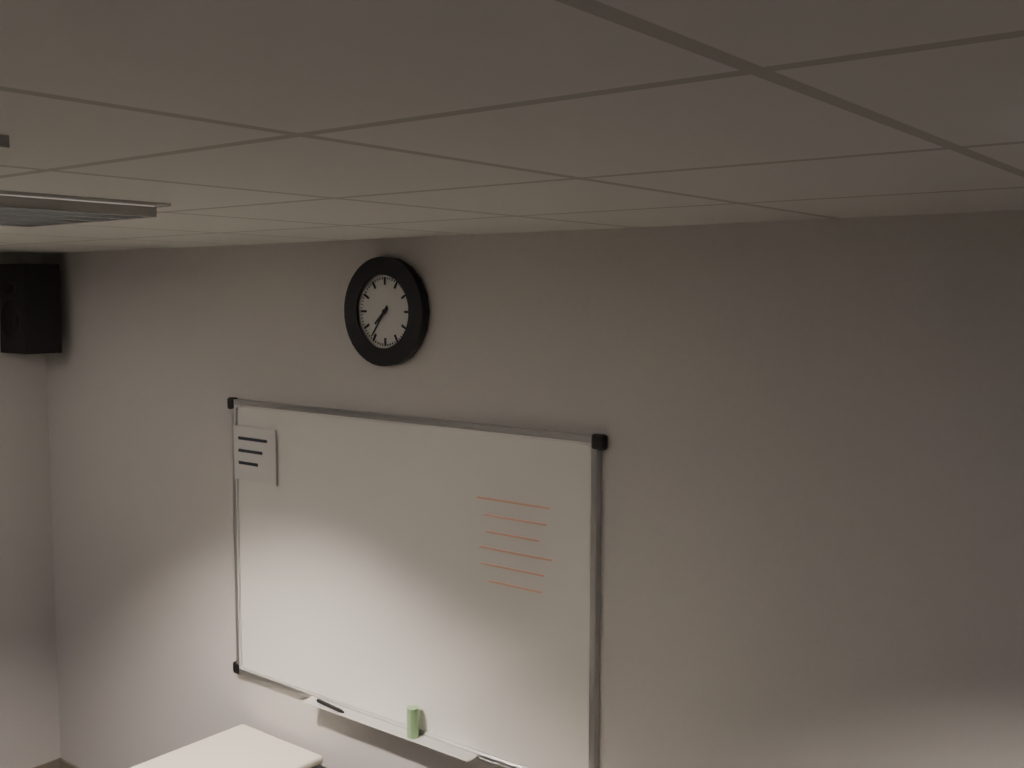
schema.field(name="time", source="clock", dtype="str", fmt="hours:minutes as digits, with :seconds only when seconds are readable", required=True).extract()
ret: 7:36
